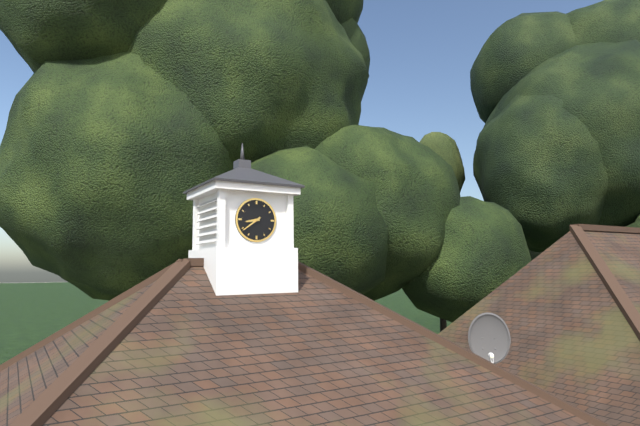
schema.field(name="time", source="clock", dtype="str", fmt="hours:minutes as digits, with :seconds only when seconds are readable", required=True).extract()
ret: 8:39
